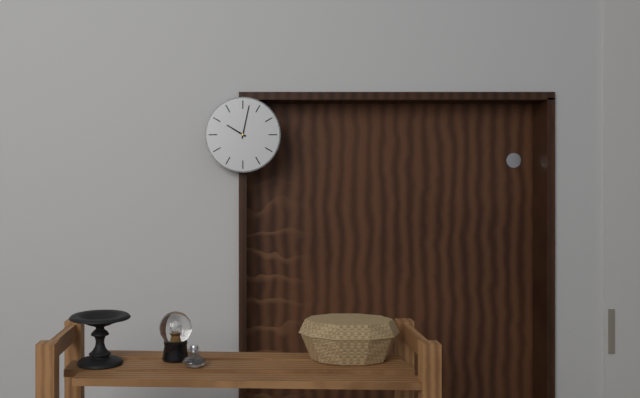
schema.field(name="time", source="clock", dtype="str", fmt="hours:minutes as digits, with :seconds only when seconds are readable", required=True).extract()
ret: 10:02
